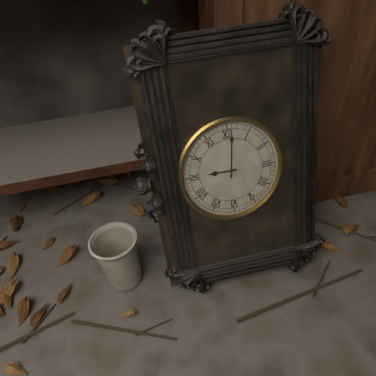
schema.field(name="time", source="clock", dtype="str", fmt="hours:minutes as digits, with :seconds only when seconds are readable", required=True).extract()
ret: 9:01
